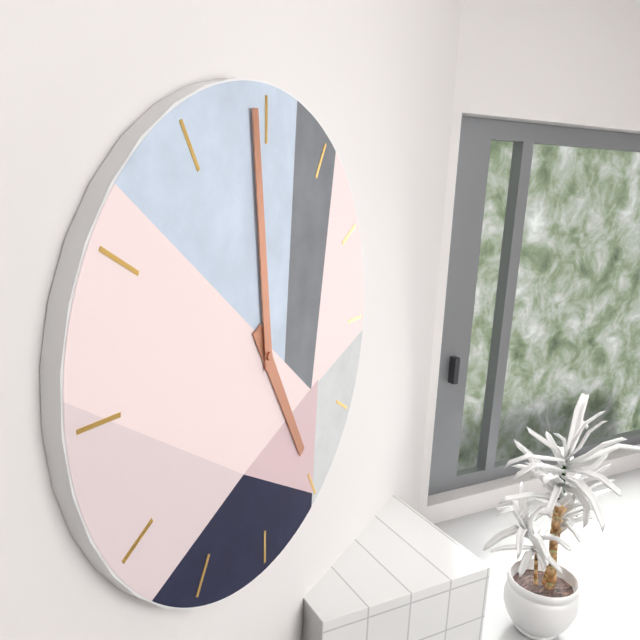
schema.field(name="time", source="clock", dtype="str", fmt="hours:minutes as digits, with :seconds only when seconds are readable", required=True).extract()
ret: 4:59
